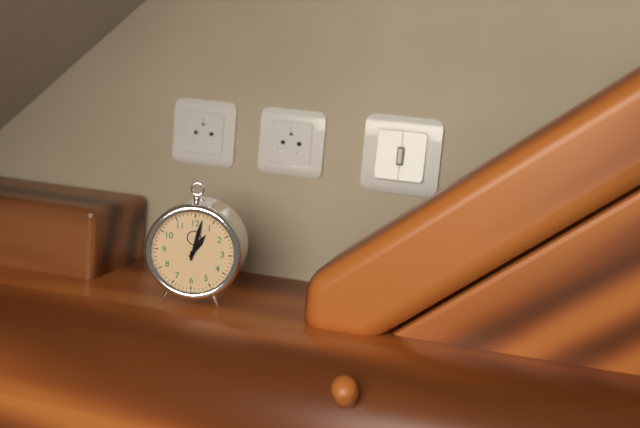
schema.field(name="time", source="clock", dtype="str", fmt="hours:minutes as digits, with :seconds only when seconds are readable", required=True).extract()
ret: 1:02
